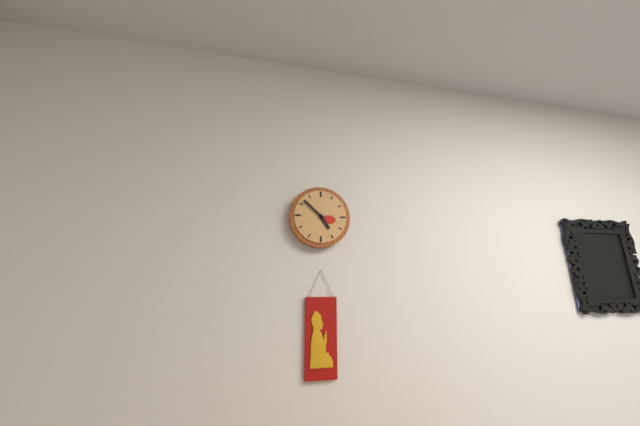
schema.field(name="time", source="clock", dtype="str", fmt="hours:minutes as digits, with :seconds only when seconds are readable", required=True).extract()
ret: 4:52
